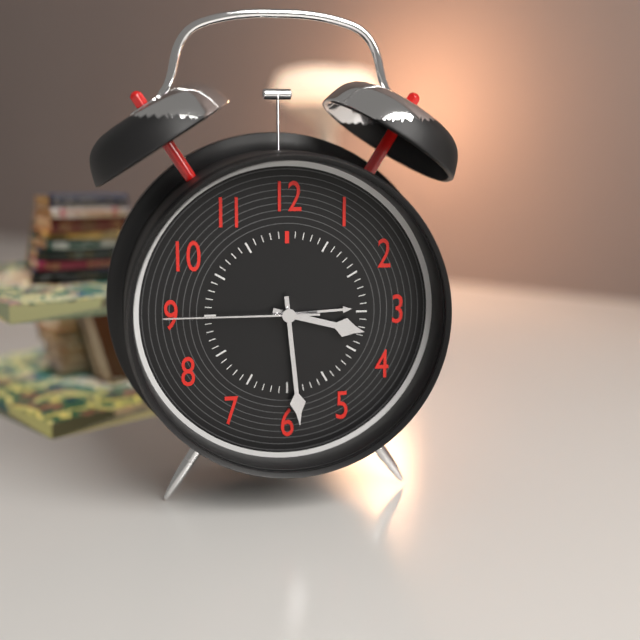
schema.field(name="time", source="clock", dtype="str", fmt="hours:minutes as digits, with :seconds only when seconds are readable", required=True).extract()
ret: 3:29:45
